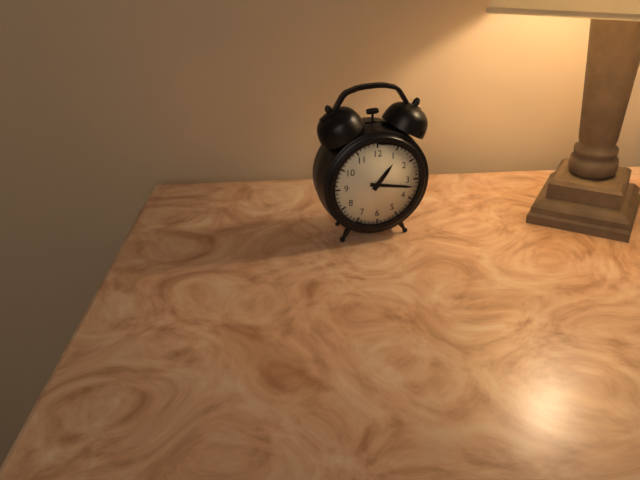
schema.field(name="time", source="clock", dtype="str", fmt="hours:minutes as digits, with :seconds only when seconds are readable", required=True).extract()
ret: 1:17
